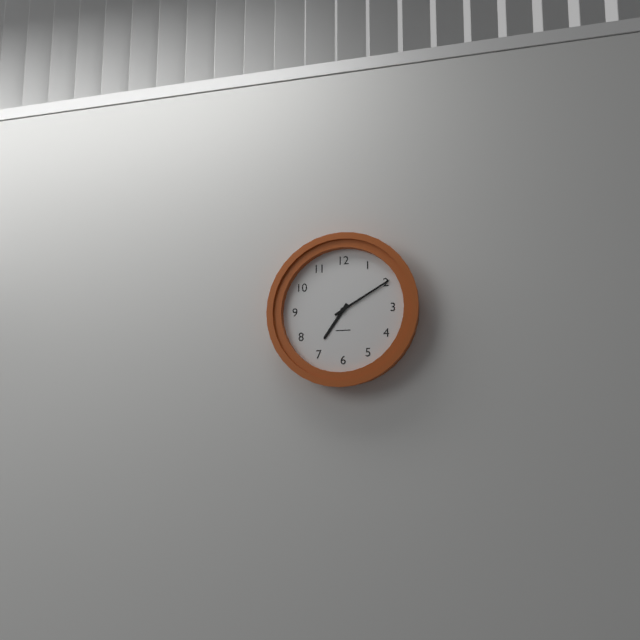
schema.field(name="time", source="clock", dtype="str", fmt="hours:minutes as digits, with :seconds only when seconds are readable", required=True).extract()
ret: 7:10
